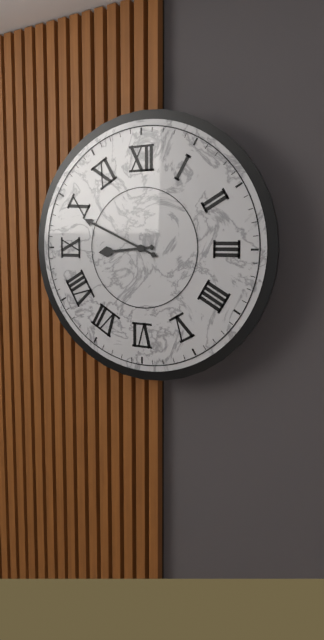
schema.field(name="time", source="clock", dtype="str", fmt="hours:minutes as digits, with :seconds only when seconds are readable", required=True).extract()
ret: 8:49
